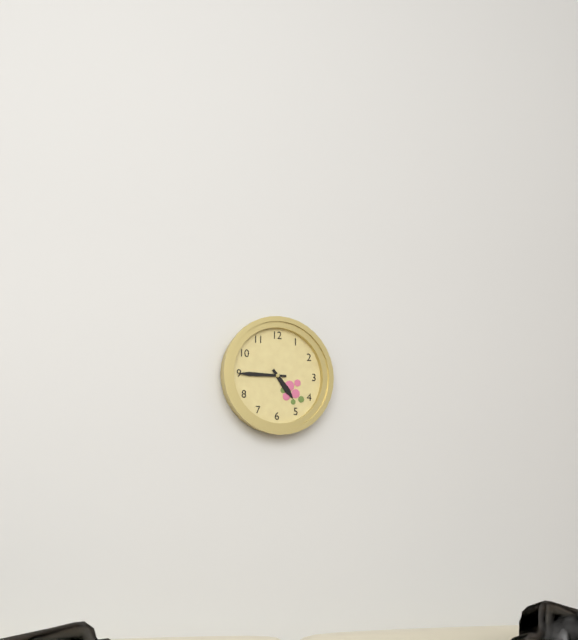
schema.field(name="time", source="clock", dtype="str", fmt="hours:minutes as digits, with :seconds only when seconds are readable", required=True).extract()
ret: 4:45
